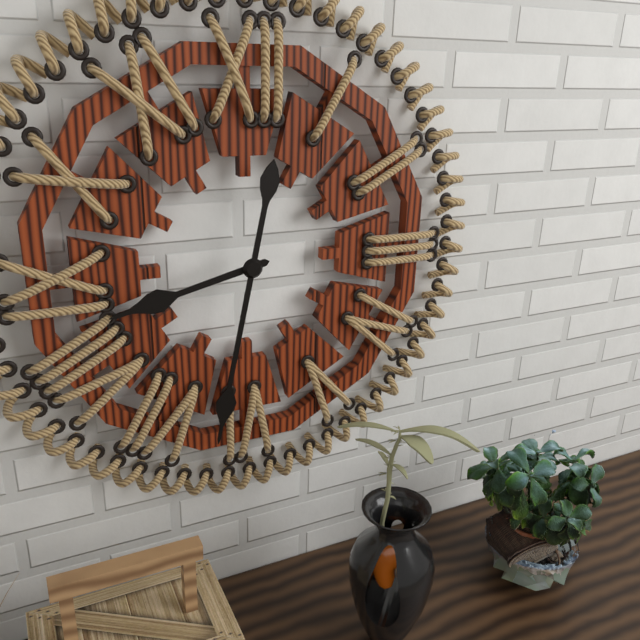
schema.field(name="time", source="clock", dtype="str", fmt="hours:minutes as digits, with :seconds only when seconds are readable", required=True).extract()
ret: 8:32
